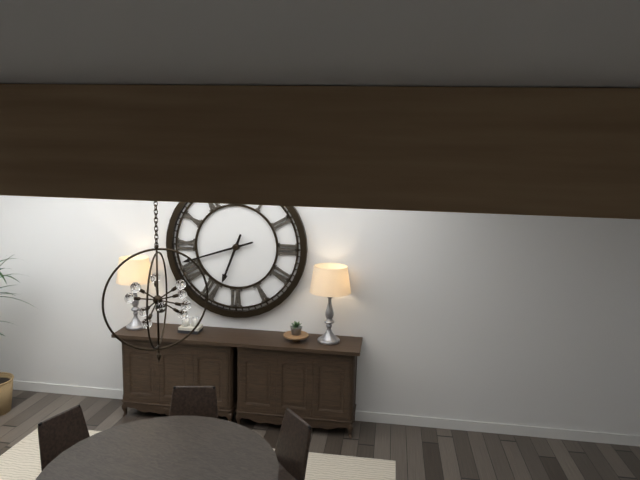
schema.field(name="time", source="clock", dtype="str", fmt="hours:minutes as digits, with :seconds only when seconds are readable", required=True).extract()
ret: 6:42
